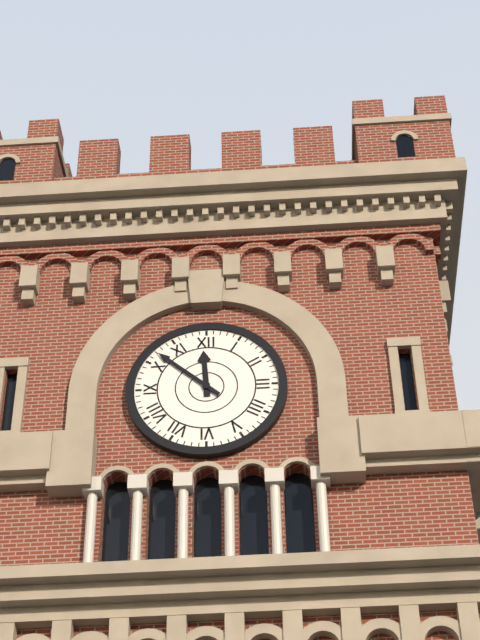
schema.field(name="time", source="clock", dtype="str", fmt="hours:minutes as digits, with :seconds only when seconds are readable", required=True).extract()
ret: 11:52
